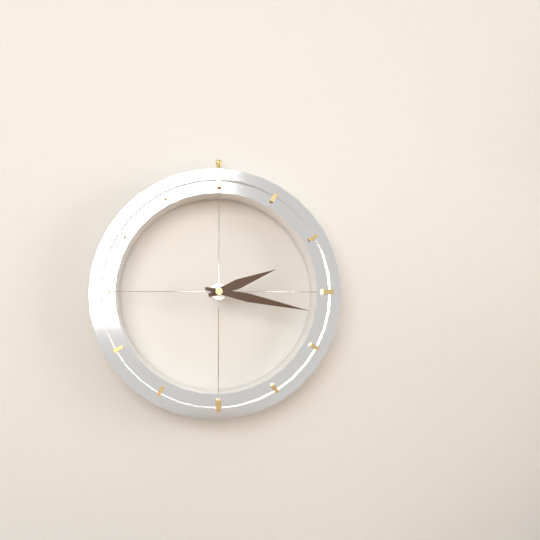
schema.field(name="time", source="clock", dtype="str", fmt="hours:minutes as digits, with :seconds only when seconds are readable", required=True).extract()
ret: 2:17
